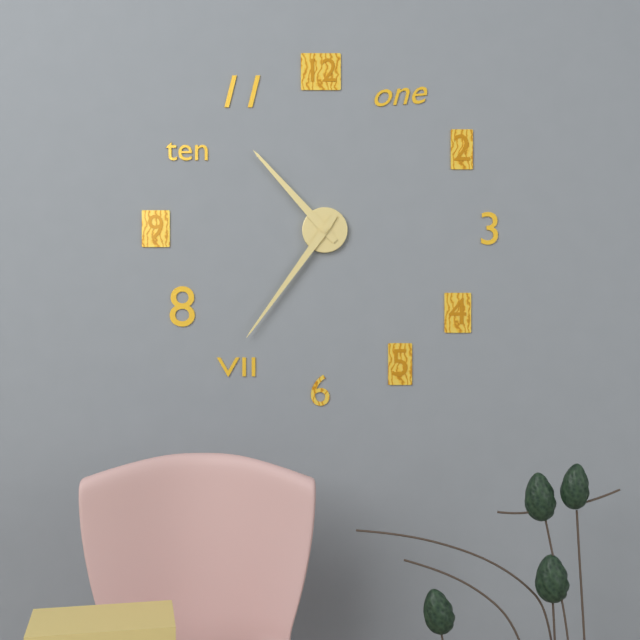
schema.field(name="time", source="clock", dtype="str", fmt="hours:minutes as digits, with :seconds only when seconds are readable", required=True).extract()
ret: 10:36
